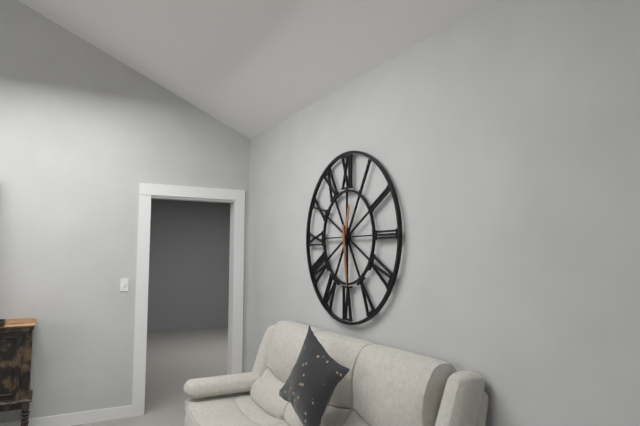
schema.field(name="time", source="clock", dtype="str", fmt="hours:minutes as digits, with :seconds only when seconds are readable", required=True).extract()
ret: 12:29
